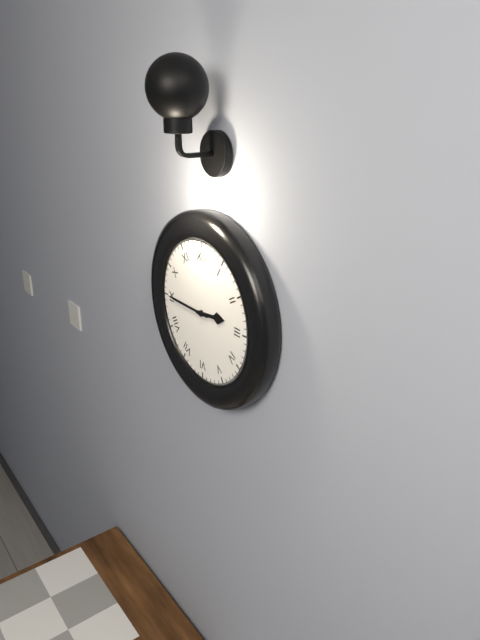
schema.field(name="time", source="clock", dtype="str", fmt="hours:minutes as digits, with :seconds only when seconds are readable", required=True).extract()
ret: 2:45
